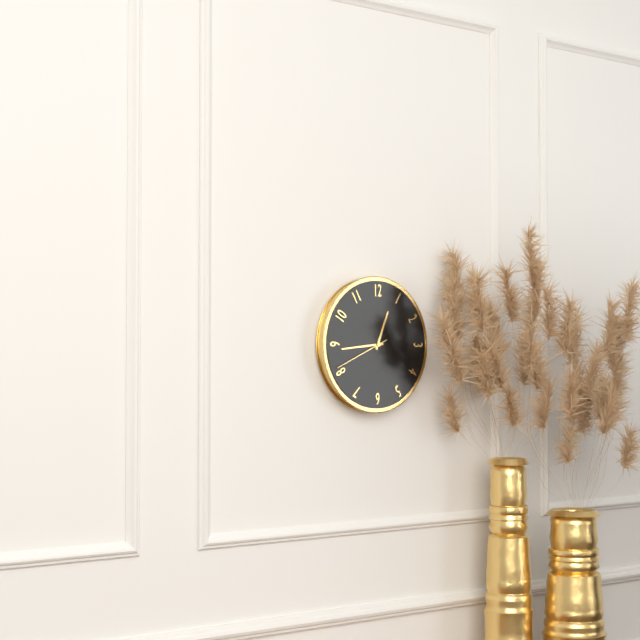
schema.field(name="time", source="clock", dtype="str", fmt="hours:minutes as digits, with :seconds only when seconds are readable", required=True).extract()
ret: 12:44
